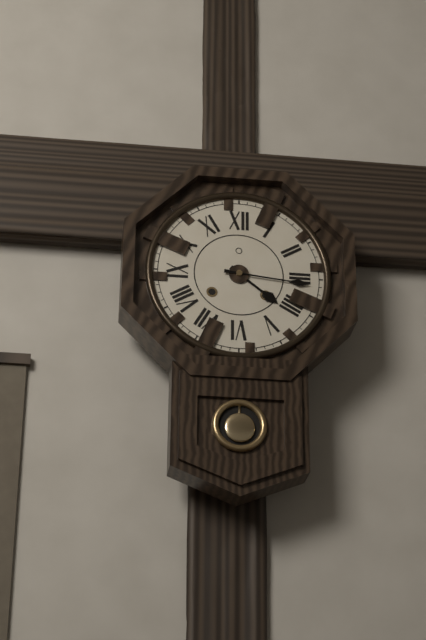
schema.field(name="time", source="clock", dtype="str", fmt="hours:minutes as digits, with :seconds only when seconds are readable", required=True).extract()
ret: 4:16
